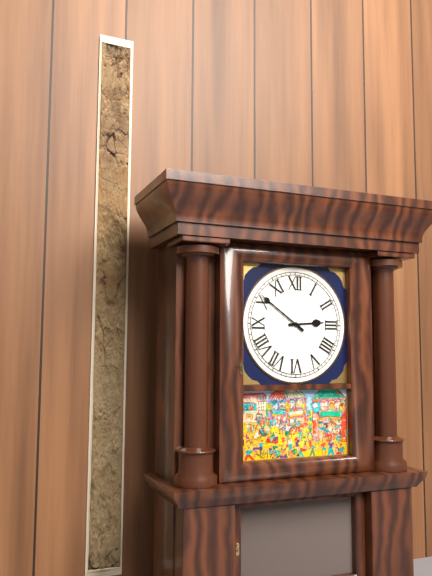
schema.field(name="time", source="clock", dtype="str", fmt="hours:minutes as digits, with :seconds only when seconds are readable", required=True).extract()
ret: 2:51
